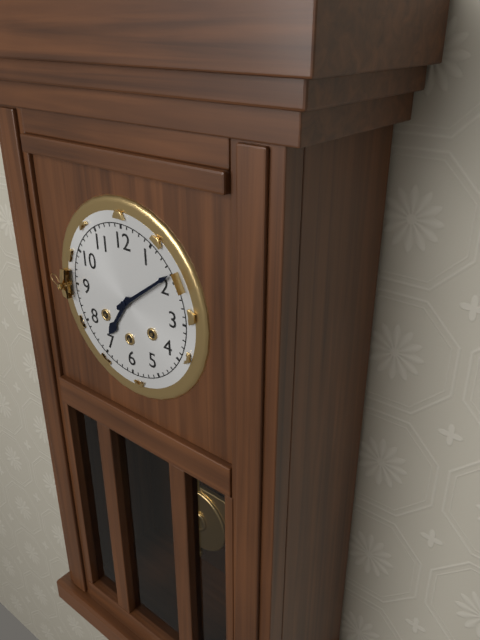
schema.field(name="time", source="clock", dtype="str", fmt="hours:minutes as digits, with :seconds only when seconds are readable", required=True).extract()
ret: 7:09
